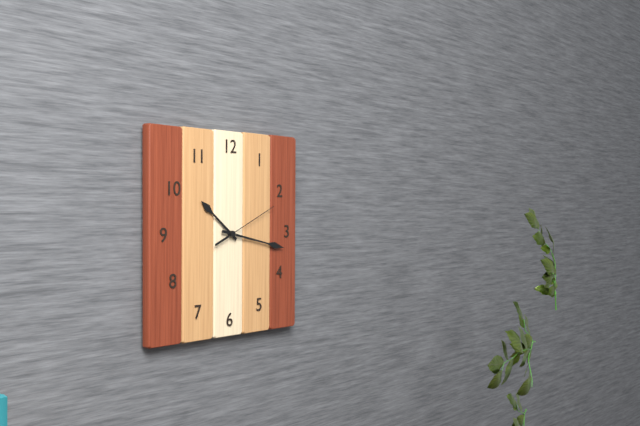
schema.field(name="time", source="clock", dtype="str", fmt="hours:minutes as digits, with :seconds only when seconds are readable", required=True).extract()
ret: 10:17:11
